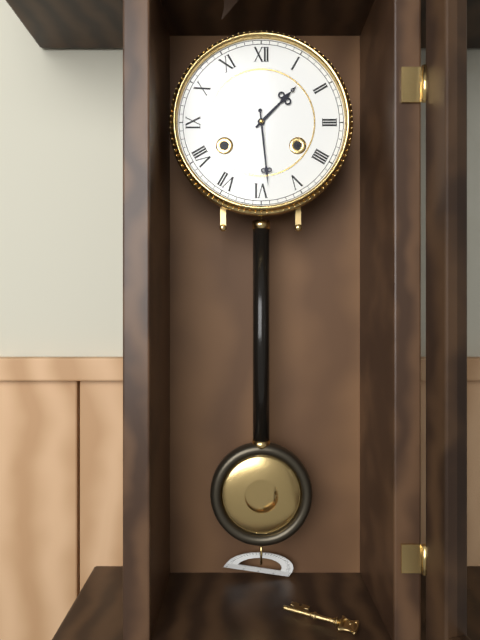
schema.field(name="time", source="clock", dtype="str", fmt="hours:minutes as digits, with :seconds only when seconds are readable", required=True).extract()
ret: 1:29
